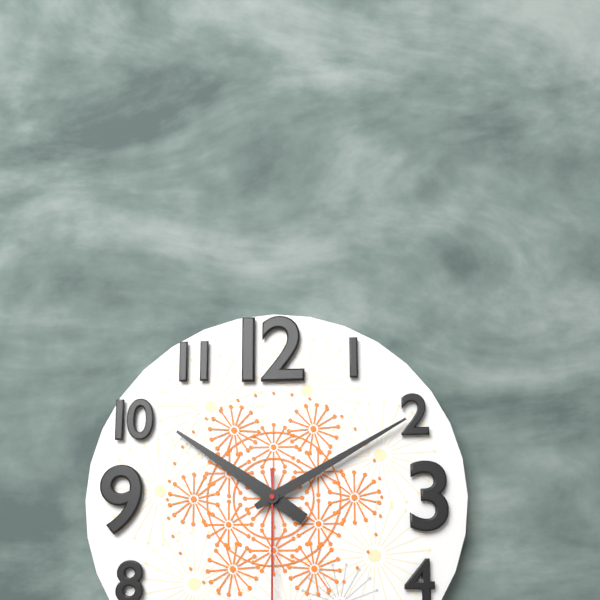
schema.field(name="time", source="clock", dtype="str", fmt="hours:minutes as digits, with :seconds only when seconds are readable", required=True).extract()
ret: 10:10
